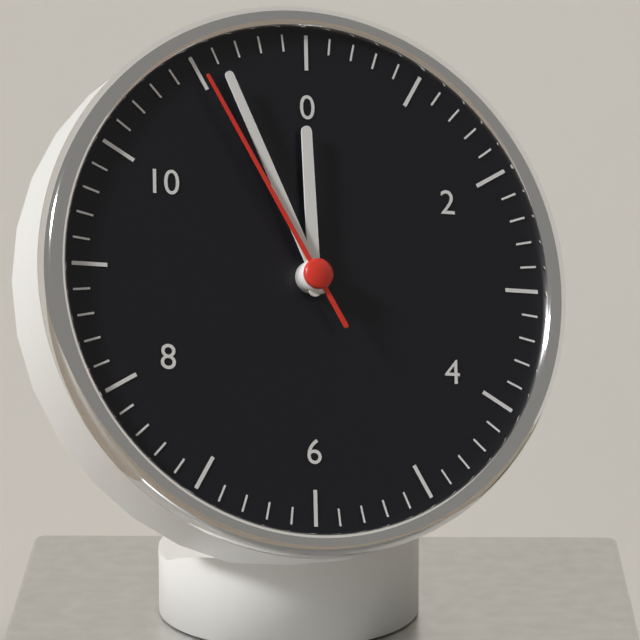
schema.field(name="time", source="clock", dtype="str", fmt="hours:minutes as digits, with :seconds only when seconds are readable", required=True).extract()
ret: 11:56:55
